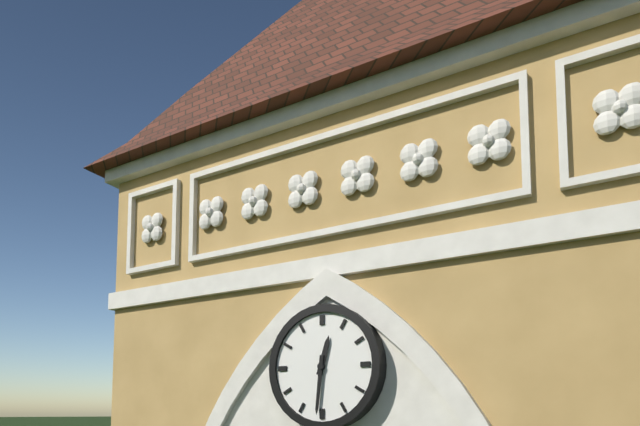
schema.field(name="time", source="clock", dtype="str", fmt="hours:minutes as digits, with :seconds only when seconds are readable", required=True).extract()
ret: 12:31
